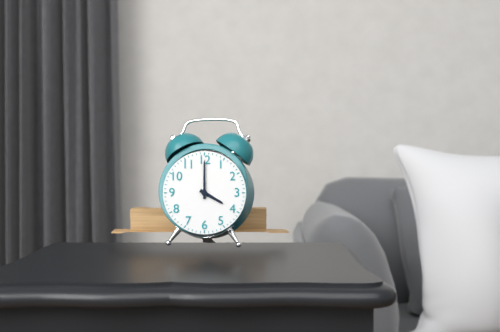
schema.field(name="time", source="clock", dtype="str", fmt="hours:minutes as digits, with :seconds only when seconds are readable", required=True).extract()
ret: 4:00
